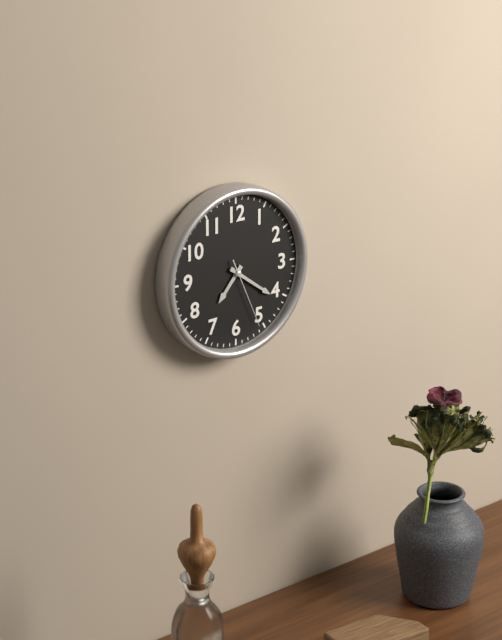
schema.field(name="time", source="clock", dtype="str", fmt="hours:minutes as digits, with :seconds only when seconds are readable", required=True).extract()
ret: 7:21:26
